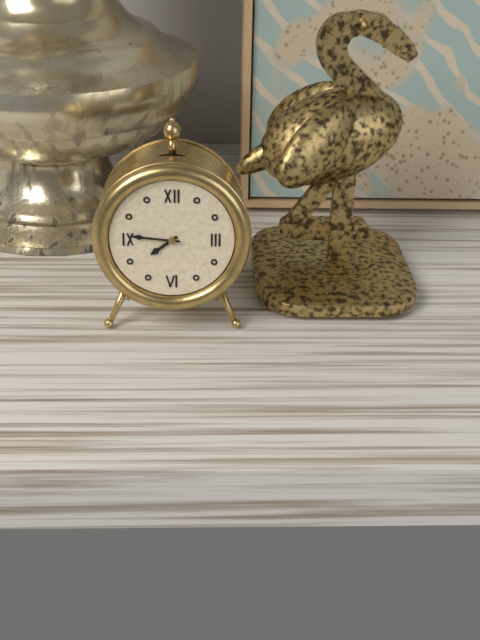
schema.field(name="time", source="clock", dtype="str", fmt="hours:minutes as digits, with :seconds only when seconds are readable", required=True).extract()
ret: 7:46
